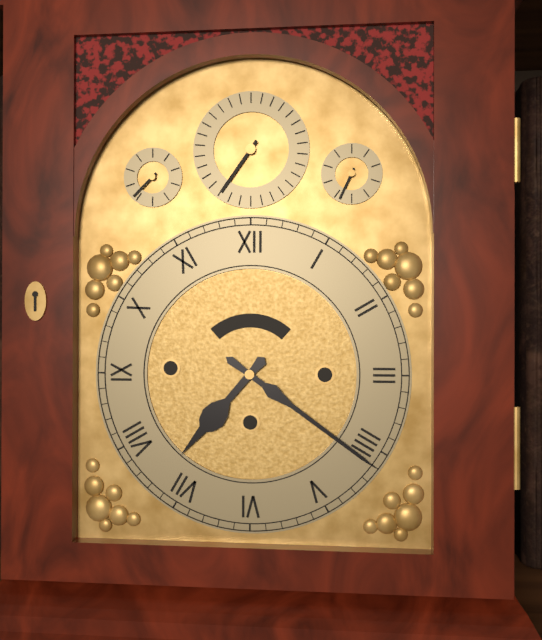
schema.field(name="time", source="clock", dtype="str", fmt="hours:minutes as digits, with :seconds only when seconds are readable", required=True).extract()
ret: 7:21
